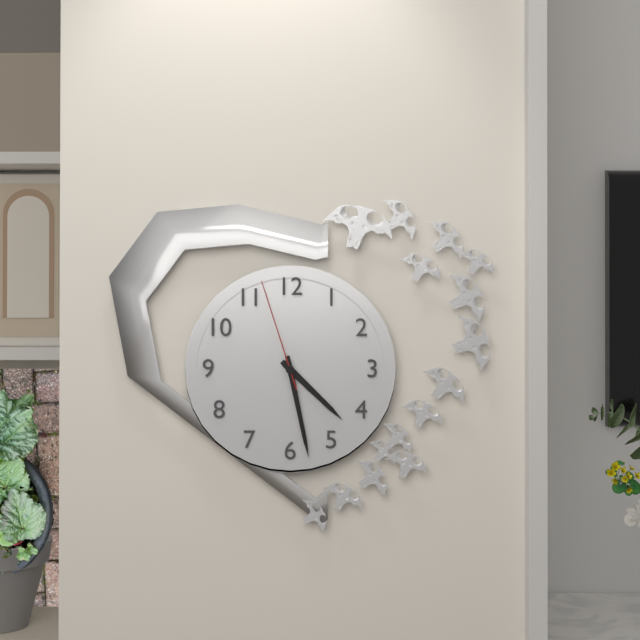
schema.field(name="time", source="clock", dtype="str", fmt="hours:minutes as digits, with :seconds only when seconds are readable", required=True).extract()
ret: 4:28:57
